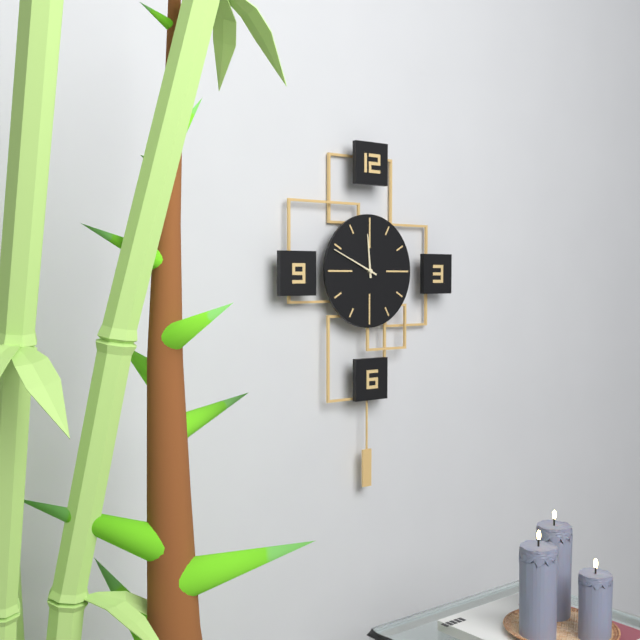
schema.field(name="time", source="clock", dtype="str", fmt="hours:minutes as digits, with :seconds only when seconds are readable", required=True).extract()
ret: 11:49
